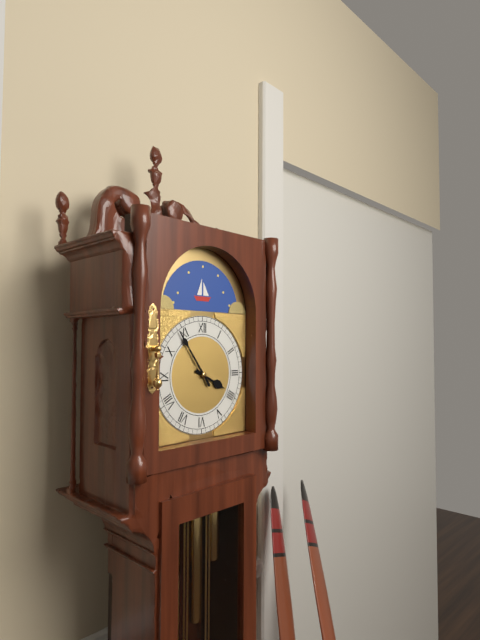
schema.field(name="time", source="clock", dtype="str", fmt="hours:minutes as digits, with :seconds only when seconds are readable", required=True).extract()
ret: 3:54
